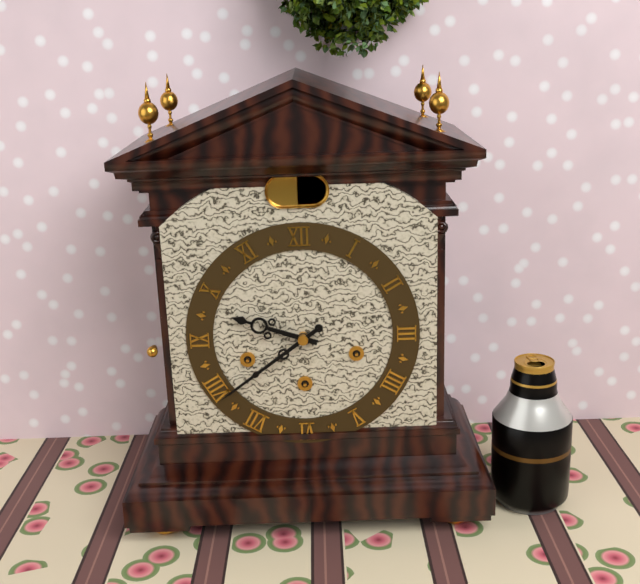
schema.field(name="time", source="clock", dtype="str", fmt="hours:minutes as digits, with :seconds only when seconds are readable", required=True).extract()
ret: 9:39
